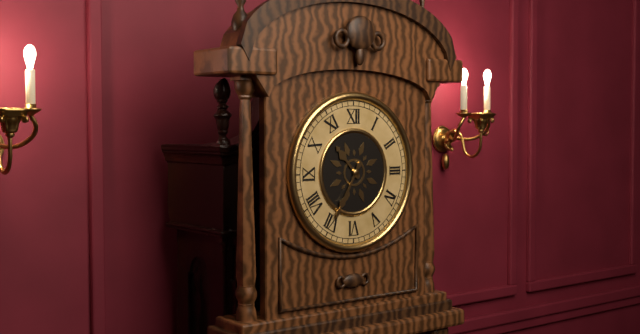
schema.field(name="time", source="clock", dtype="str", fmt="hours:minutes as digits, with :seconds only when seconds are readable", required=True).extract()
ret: 10:35
